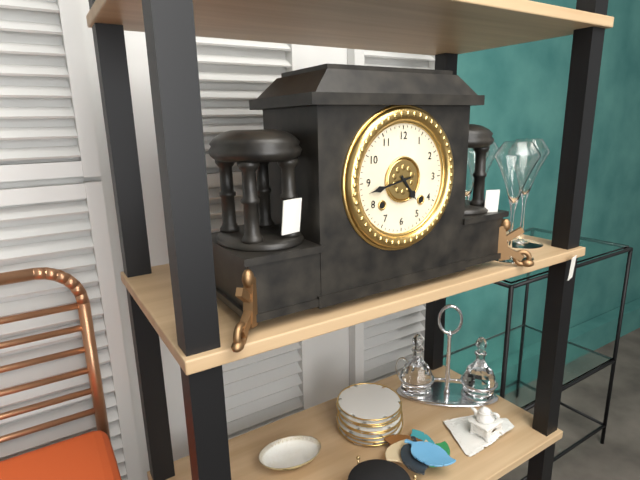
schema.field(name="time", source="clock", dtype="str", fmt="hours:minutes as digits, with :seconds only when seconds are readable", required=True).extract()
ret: 4:43
